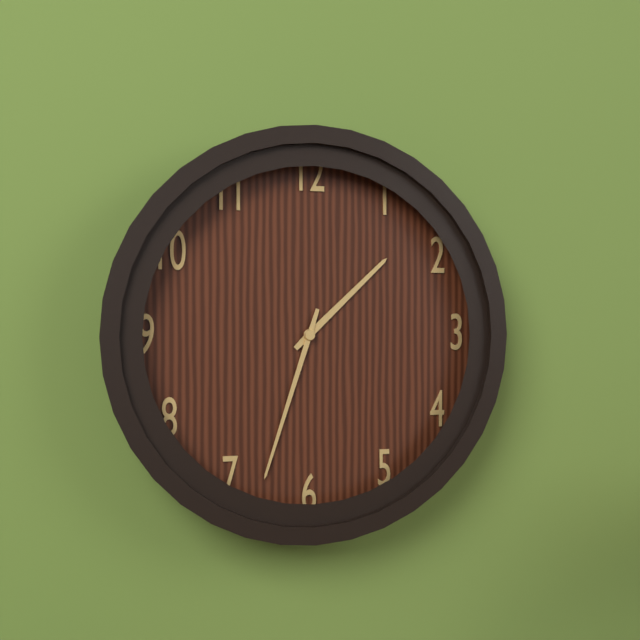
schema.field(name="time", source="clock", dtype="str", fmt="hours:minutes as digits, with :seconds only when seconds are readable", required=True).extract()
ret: 1:33
